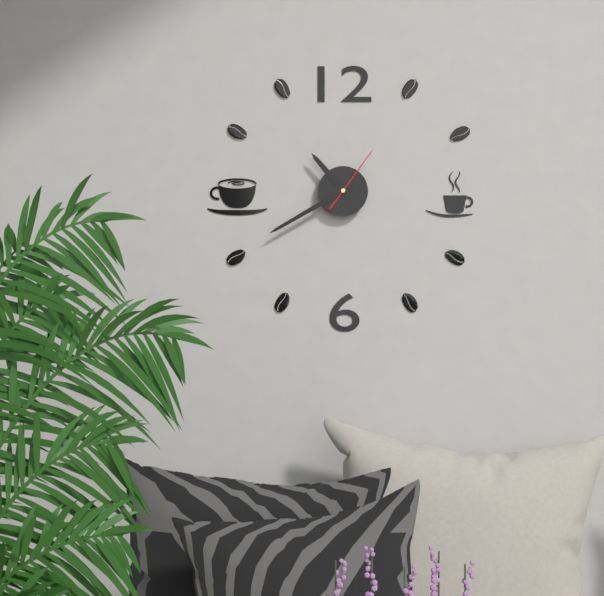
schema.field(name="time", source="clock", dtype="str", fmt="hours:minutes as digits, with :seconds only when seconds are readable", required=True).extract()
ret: 10:40:06
